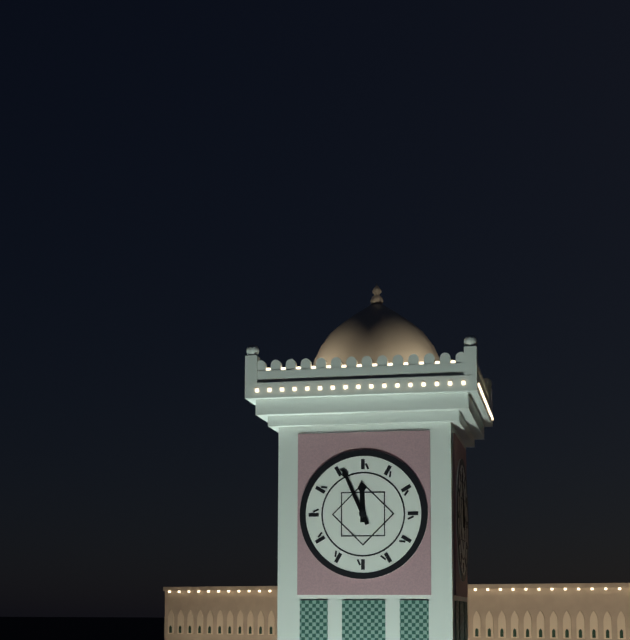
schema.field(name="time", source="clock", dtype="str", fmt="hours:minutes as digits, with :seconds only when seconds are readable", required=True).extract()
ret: 11:56
